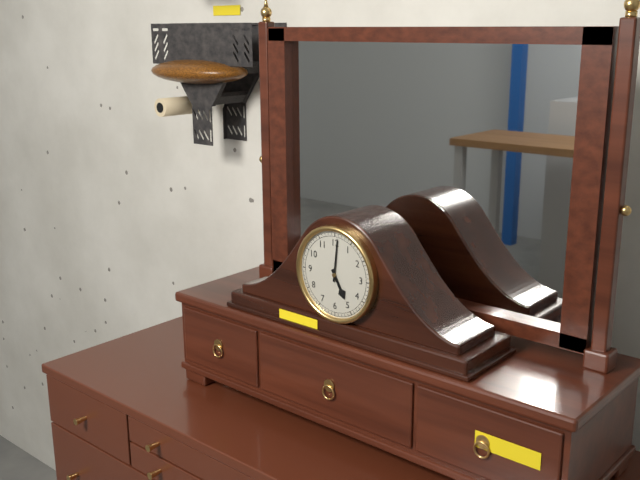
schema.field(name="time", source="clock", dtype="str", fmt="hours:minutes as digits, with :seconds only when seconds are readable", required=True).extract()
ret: 5:01
